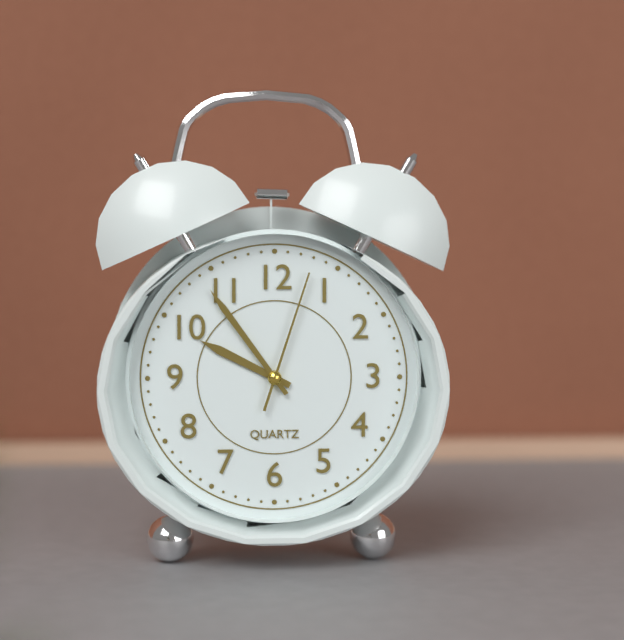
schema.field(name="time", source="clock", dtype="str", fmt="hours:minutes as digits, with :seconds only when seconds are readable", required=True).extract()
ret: 9:54:03
